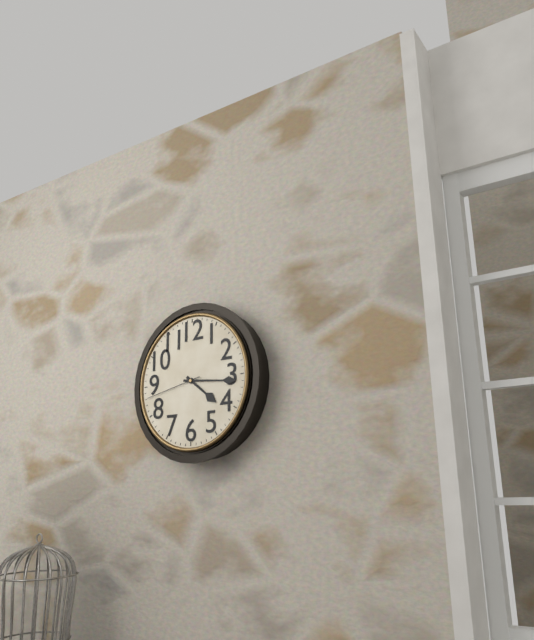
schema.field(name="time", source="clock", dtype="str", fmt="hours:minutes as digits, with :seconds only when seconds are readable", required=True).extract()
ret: 4:16:43
